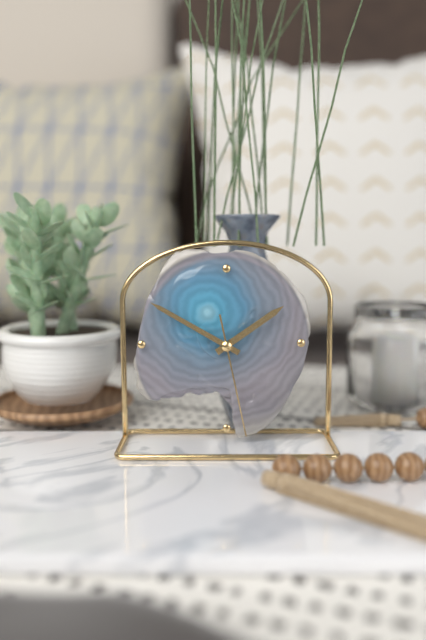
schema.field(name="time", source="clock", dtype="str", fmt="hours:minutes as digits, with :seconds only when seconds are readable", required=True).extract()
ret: 1:50:28
